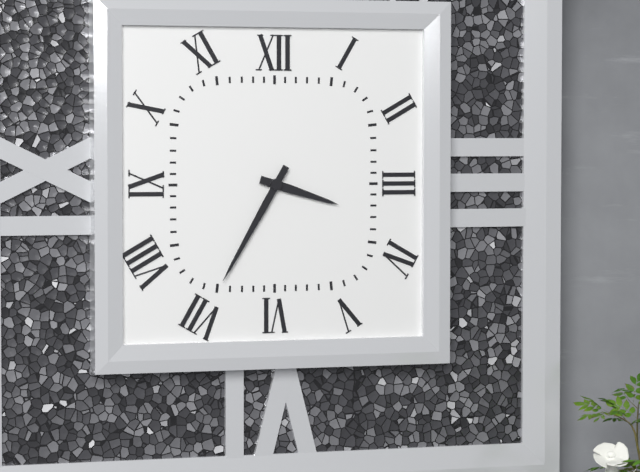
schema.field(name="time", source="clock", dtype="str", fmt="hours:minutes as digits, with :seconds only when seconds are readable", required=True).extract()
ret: 3:35
